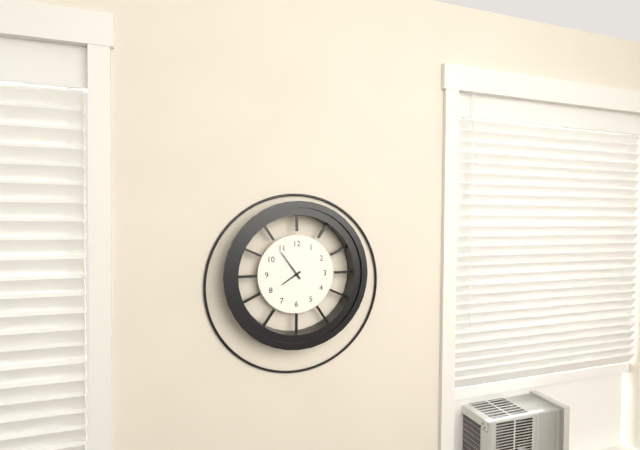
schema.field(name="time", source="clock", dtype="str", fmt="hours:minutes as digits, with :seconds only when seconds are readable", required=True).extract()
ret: 7:54
